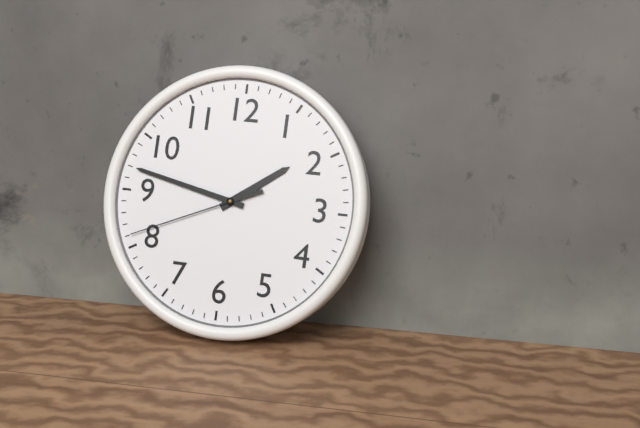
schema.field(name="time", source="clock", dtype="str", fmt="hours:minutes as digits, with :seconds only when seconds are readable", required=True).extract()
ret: 1:47:41
